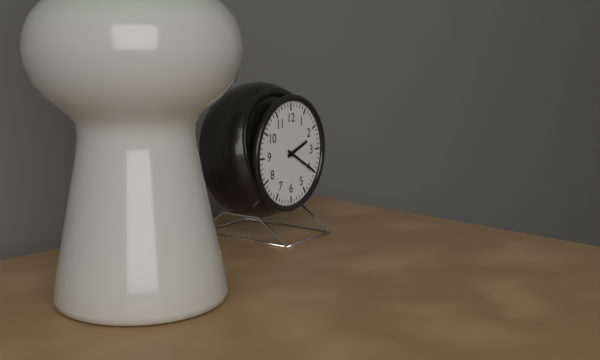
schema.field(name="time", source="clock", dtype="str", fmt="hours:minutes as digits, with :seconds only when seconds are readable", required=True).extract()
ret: 2:20
